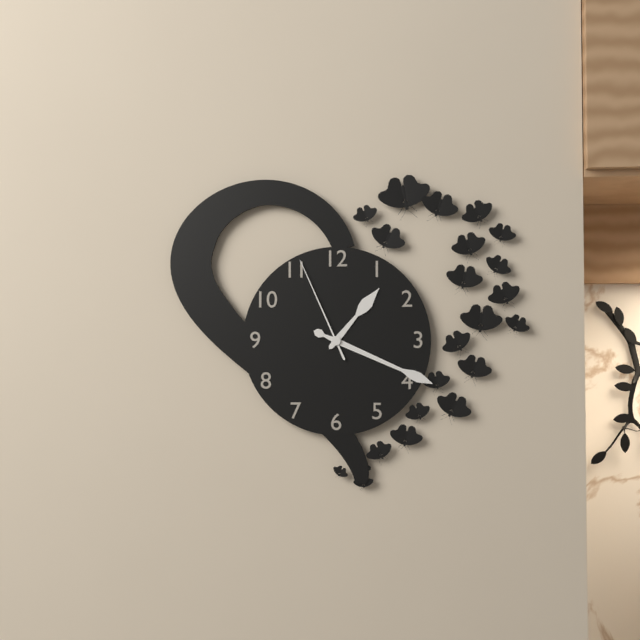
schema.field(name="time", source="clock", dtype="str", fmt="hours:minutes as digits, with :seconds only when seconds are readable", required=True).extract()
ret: 1:19:56
